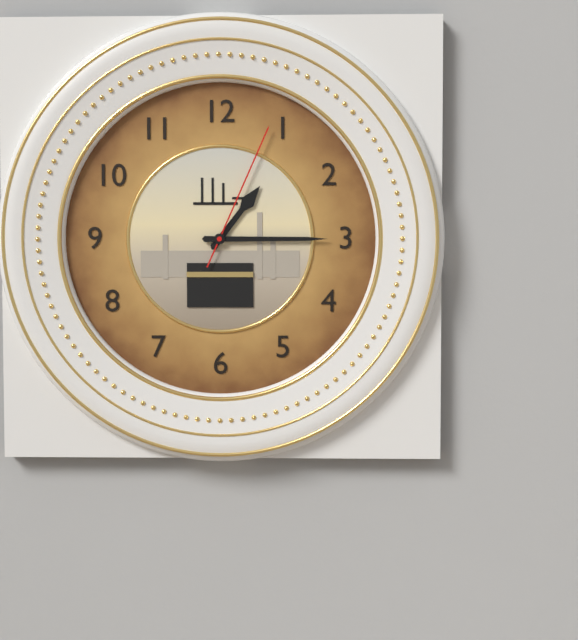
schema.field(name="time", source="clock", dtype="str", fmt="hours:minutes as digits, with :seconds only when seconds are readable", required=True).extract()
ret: 1:15:04
